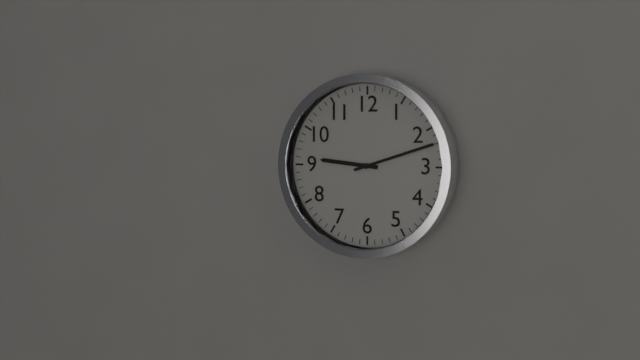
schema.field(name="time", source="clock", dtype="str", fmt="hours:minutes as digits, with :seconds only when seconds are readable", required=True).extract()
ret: 9:12
